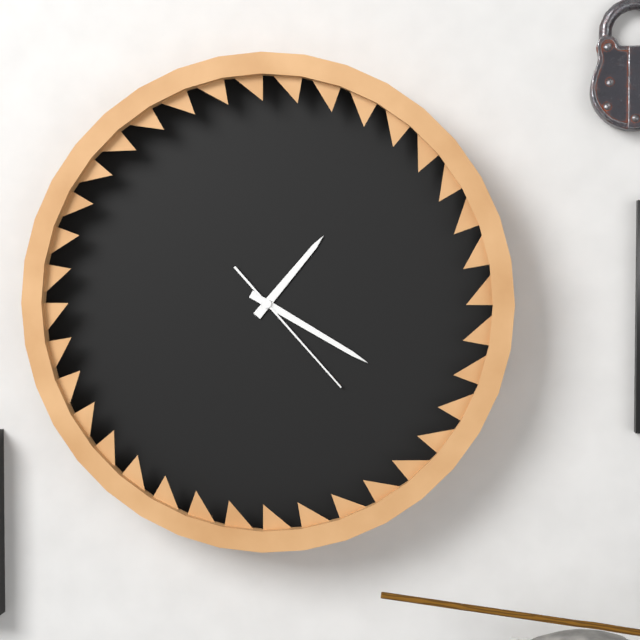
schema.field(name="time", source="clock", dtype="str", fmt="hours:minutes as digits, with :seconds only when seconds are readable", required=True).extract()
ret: 1:20:23
